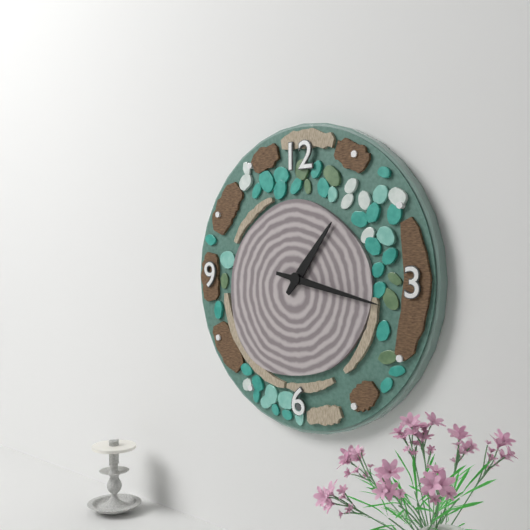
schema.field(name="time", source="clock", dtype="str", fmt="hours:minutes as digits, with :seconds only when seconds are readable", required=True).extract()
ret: 1:17
